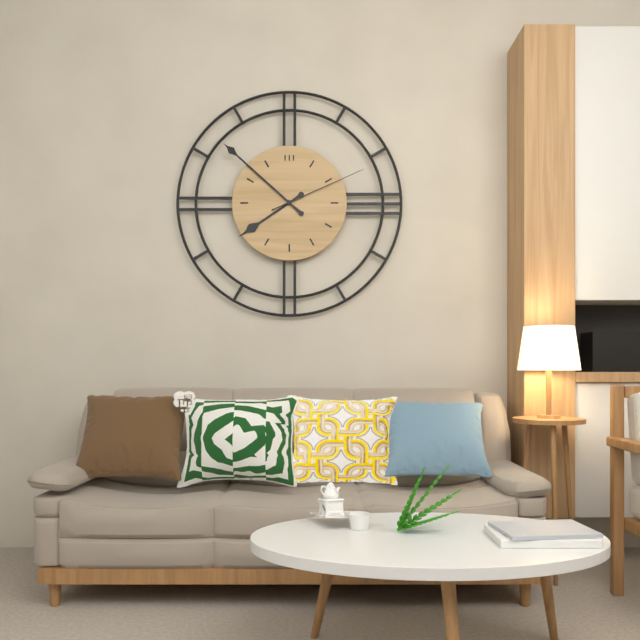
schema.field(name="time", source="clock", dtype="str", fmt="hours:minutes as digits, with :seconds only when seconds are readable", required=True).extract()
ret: 7:52:11
